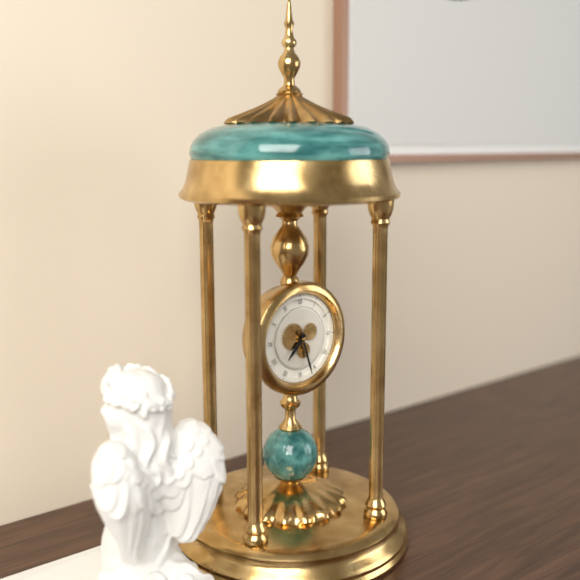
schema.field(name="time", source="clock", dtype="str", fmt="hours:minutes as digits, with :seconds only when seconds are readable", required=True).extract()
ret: 7:27
